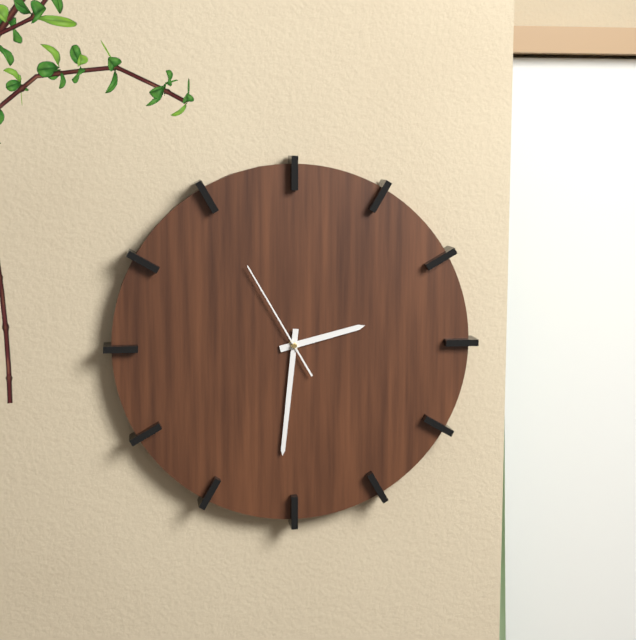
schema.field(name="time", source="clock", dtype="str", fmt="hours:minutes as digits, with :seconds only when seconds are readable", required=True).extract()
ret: 2:31:55
